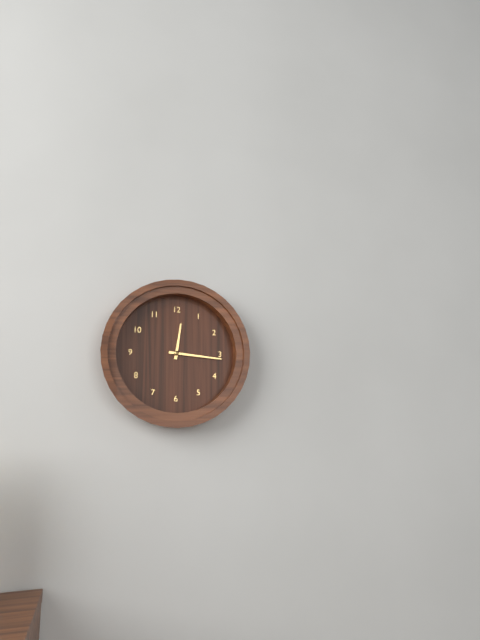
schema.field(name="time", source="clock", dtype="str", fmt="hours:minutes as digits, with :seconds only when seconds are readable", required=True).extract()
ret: 12:16
